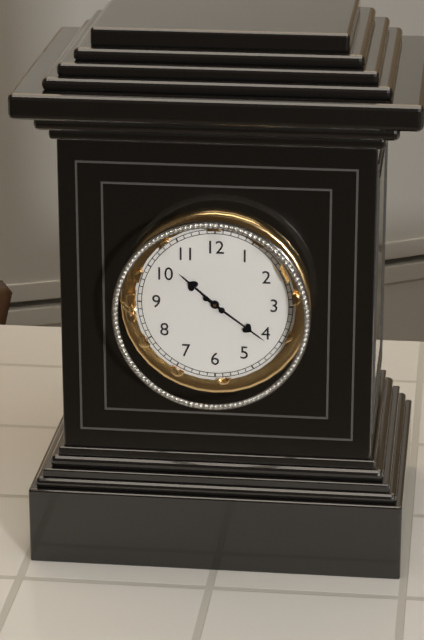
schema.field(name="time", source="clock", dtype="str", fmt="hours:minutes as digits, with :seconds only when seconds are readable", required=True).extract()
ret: 10:21
